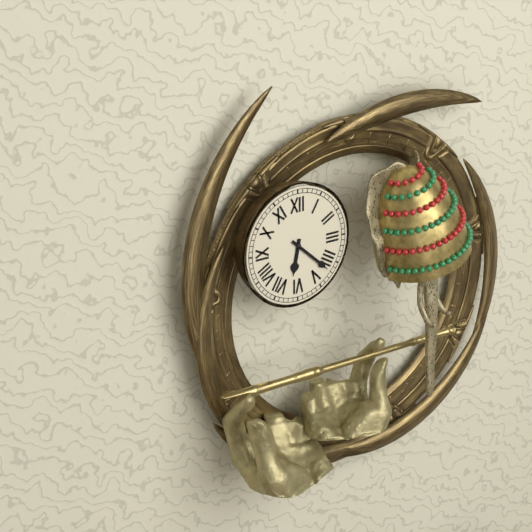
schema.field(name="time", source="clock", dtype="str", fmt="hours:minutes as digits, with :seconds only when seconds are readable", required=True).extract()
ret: 6:22
